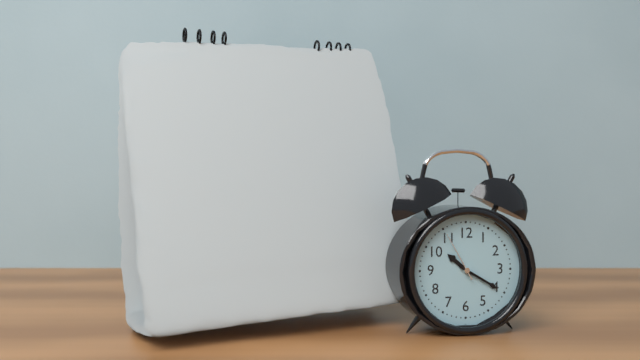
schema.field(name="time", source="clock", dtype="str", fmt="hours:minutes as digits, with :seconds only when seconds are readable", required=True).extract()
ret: 10:20:55
